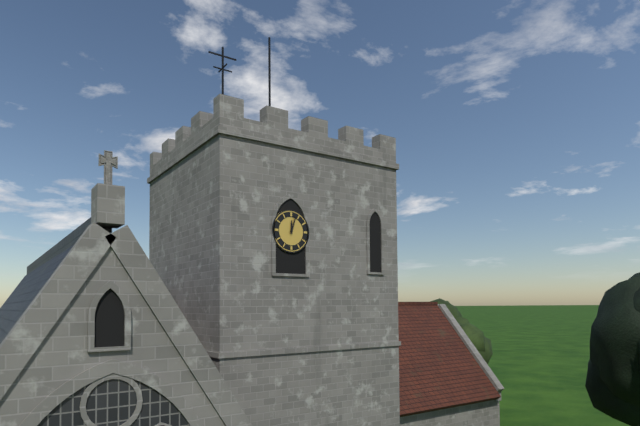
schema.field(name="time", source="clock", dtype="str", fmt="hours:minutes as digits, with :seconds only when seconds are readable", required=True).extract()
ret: 12:03
